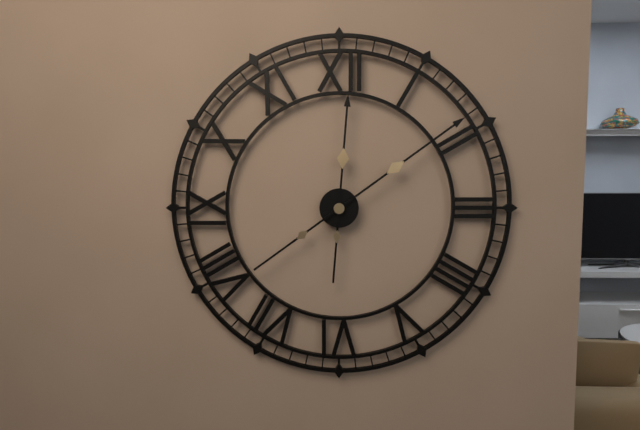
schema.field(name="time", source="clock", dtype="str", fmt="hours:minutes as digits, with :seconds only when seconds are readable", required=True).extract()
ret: 12:09
